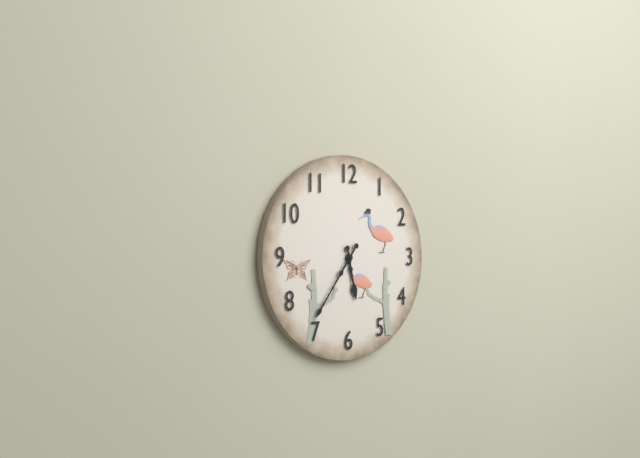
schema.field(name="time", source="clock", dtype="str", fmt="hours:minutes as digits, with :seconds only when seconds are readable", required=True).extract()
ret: 5:36
